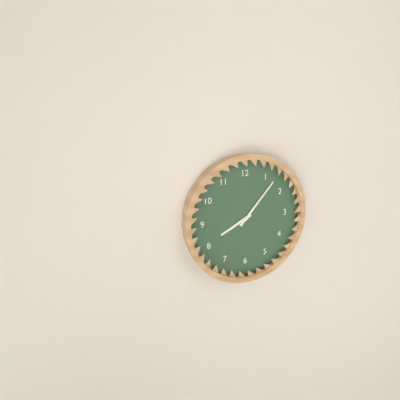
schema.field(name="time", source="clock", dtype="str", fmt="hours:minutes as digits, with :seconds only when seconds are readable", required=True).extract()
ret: 8:07
